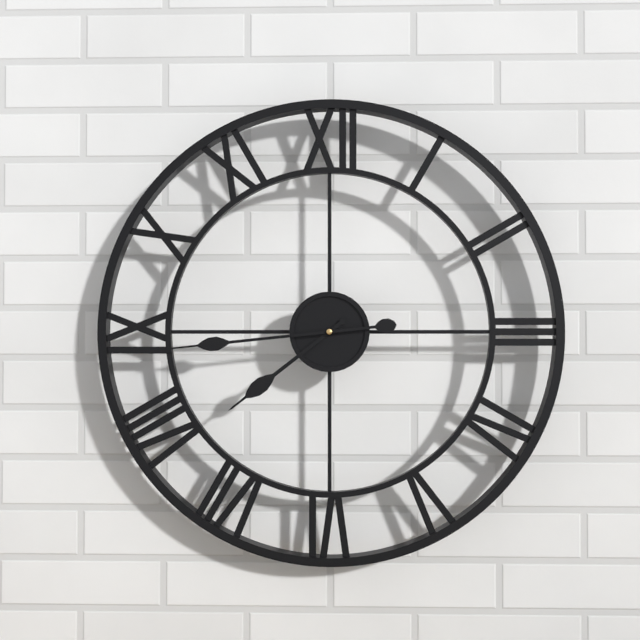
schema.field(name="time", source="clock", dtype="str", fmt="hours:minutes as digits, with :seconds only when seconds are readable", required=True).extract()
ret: 7:44
